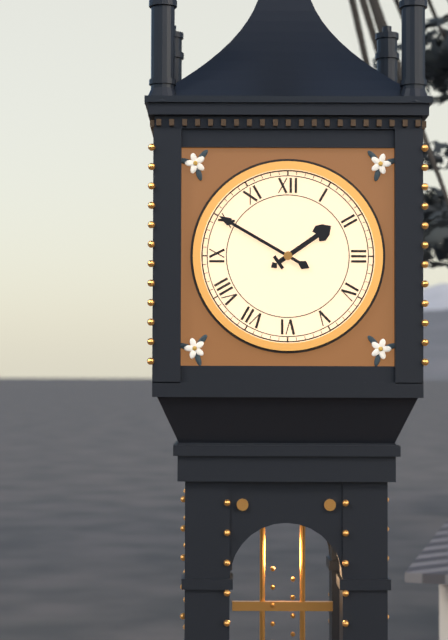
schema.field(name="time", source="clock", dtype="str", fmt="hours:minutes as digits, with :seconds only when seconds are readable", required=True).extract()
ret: 1:50
